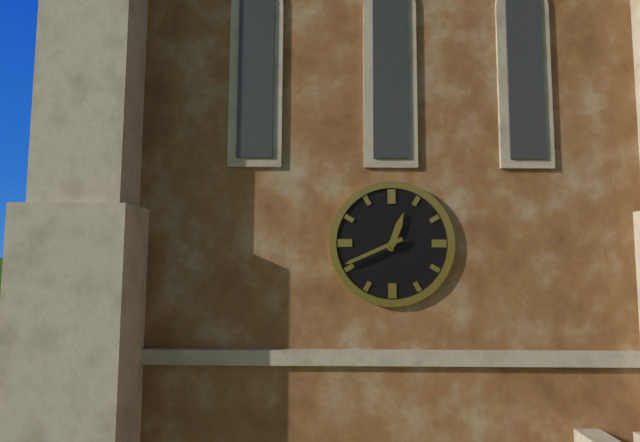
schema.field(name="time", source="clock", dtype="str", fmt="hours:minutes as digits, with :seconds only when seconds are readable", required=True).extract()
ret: 12:41
